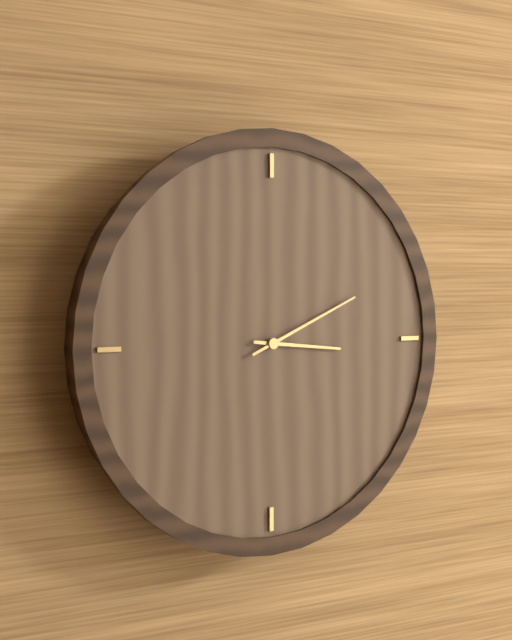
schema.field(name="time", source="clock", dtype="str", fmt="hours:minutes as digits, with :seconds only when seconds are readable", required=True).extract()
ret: 3:11
